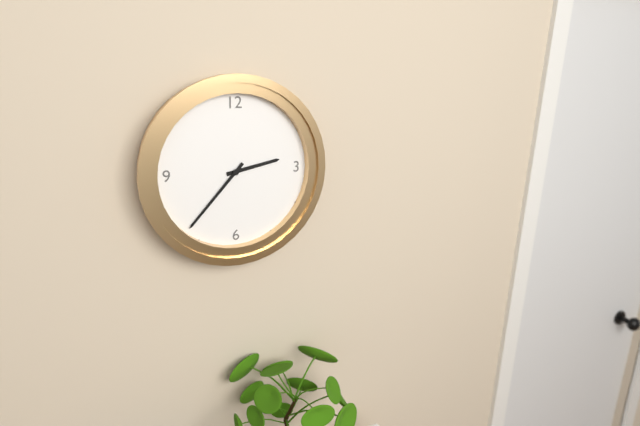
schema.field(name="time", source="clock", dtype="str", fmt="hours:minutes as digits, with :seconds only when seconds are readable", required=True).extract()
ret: 2:37
